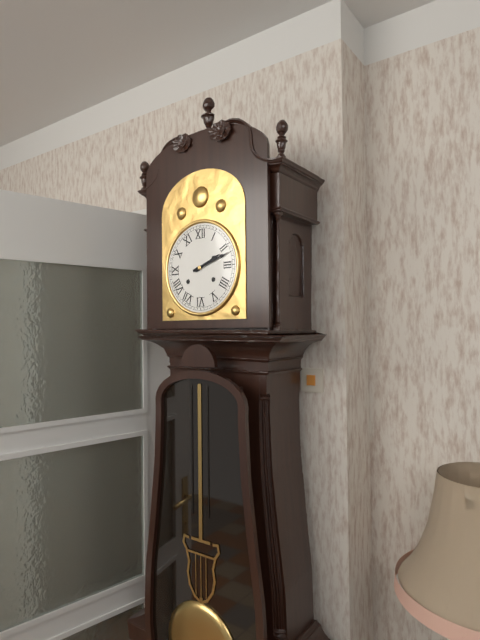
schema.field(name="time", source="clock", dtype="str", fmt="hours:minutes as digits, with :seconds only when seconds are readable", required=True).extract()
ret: 2:12
